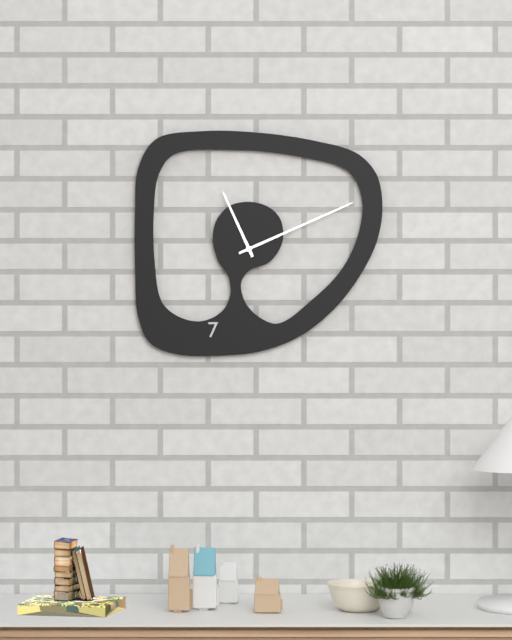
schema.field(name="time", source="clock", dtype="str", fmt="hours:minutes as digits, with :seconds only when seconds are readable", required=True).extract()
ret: 11:11
